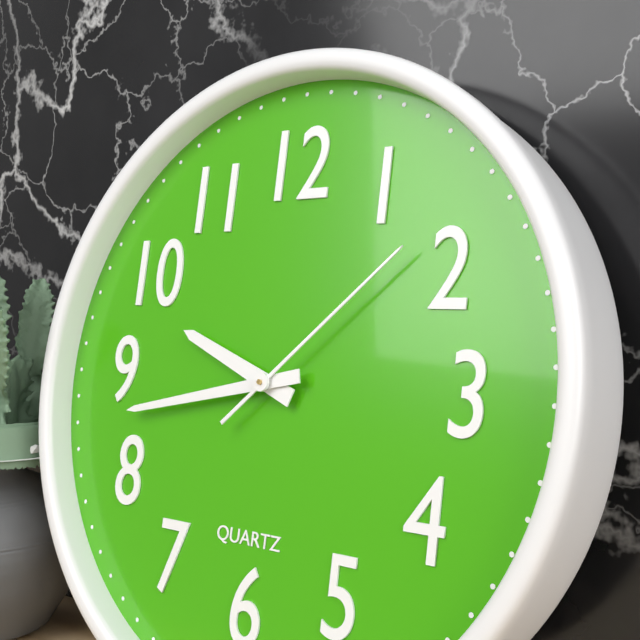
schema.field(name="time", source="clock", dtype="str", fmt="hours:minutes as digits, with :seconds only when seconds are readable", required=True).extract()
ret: 9:43:08
